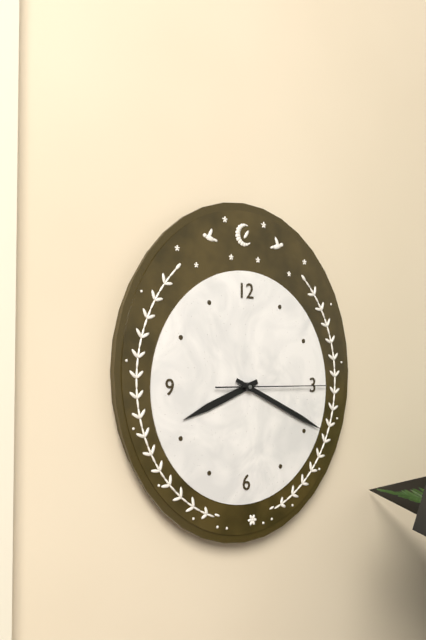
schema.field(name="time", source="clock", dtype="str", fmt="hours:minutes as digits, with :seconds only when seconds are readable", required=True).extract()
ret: 8:19:15
